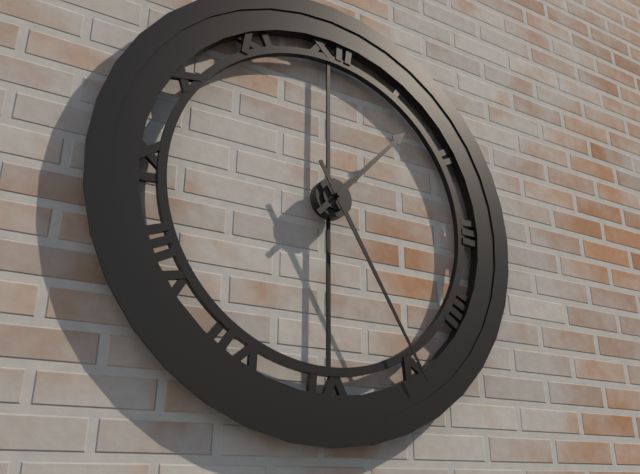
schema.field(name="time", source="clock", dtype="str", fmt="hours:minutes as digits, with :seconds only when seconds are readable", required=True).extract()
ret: 1:25
